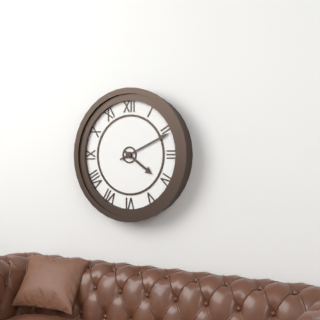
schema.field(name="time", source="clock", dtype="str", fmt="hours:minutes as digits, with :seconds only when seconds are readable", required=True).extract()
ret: 4:11
